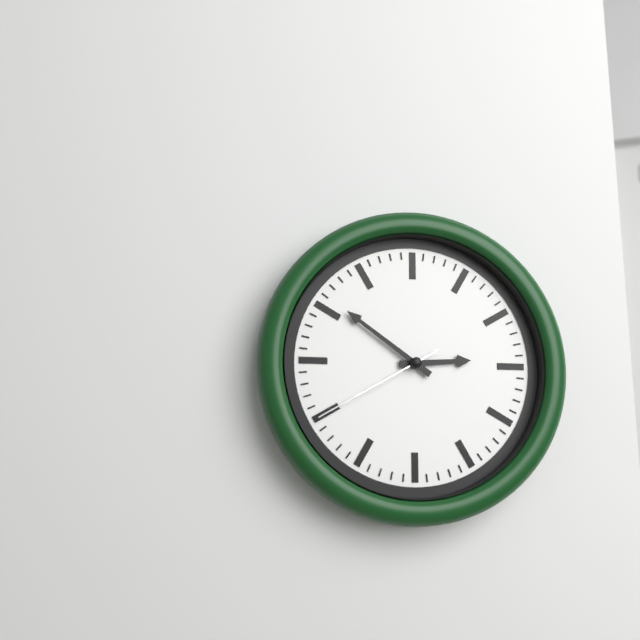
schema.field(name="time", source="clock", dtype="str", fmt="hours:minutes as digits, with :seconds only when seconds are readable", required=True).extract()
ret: 2:51:40
